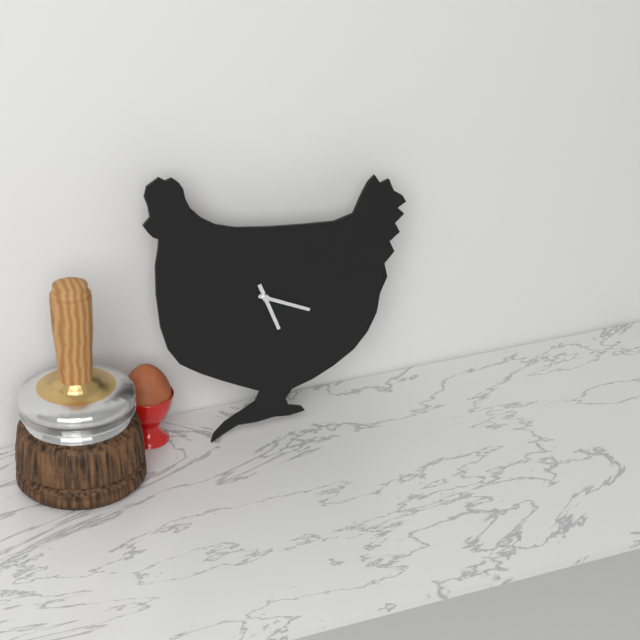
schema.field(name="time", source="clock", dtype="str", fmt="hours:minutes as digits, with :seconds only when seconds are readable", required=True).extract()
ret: 5:19
